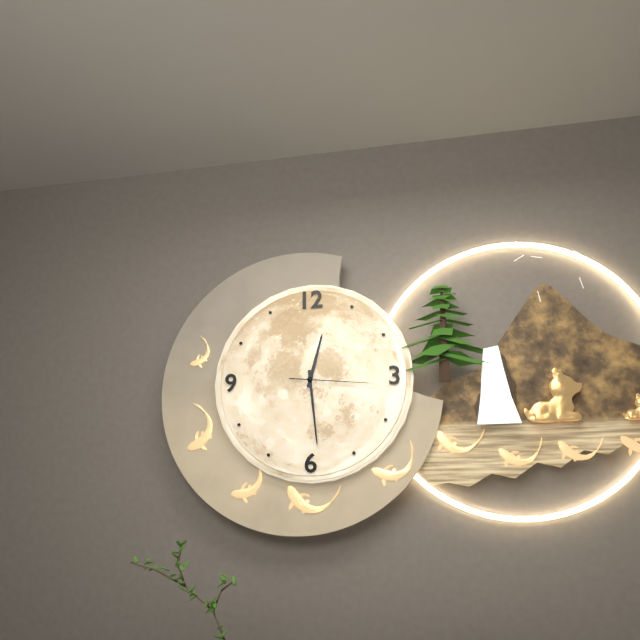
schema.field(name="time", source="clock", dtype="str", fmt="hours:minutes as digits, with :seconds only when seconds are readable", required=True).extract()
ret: 12:29:16
